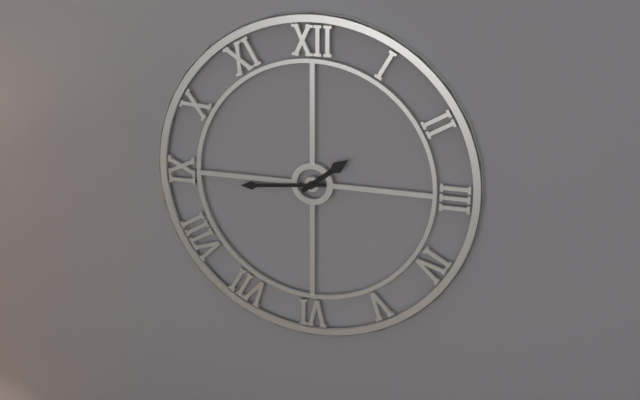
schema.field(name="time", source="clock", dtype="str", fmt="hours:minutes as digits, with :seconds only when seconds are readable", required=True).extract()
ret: 1:44
